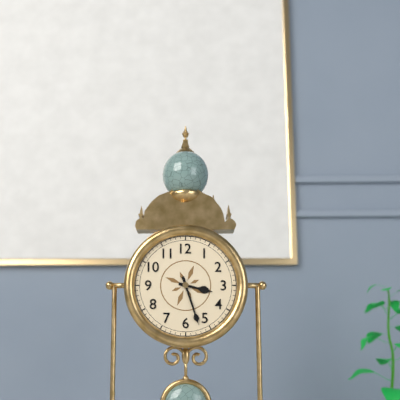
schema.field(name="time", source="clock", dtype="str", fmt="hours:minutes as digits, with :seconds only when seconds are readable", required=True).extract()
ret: 3:27
